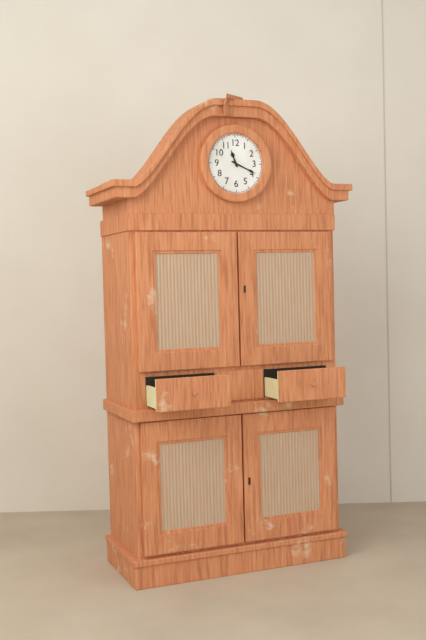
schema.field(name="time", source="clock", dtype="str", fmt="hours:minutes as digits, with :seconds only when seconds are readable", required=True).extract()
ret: 11:19
